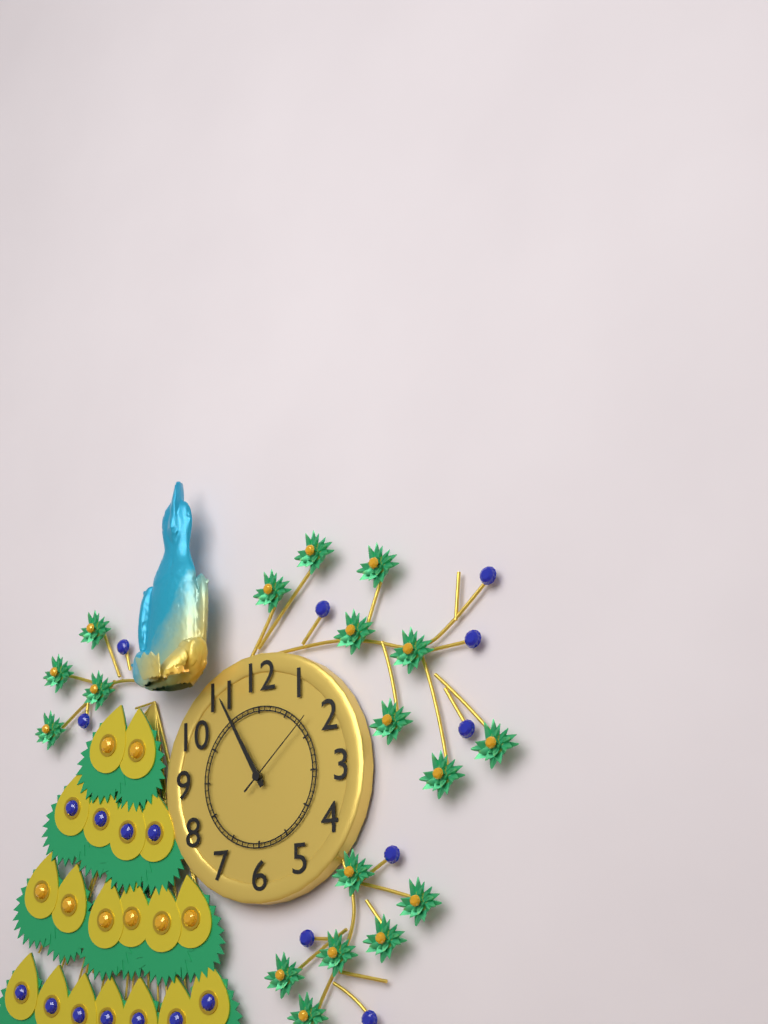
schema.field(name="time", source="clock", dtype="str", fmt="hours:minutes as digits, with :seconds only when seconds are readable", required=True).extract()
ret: 10:55:08
